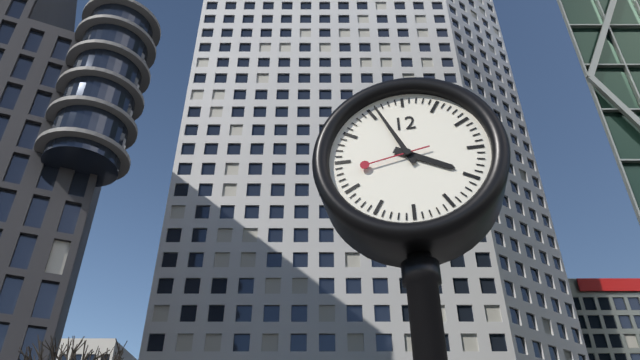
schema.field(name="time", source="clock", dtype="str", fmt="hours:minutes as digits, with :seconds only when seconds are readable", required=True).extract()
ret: 3:56:43
